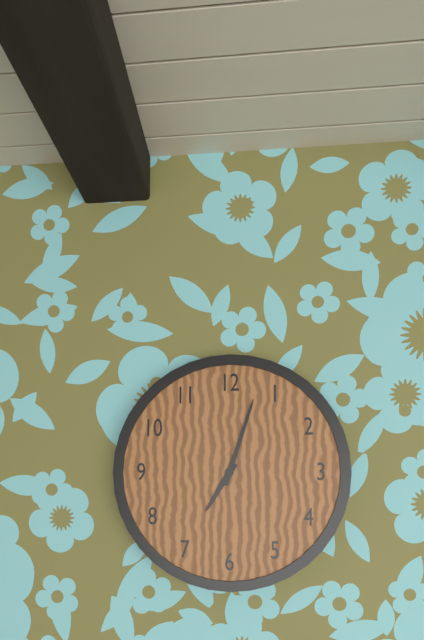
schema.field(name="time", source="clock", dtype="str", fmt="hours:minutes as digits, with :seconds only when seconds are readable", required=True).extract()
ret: 7:03
